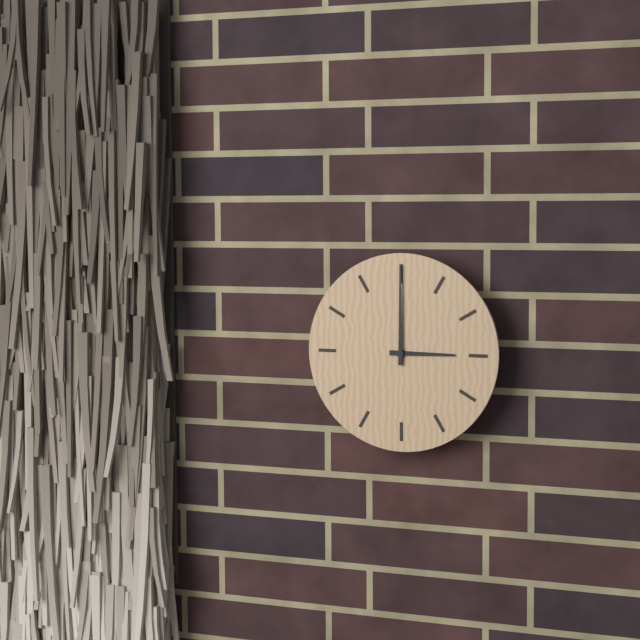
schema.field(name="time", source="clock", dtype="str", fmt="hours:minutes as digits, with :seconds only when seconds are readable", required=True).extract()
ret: 3:00
